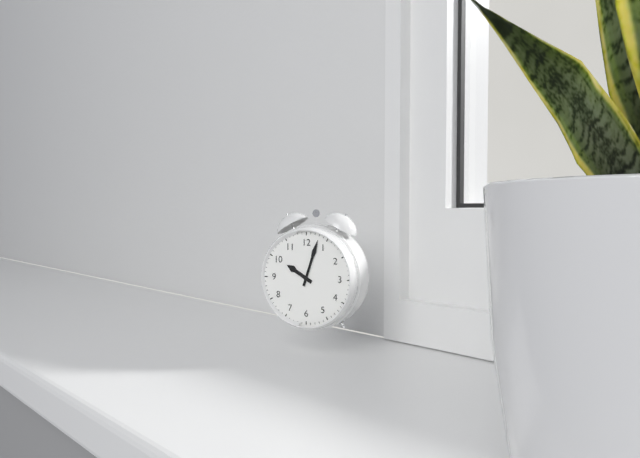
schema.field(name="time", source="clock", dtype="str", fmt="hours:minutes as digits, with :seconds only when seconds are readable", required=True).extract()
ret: 10:03
